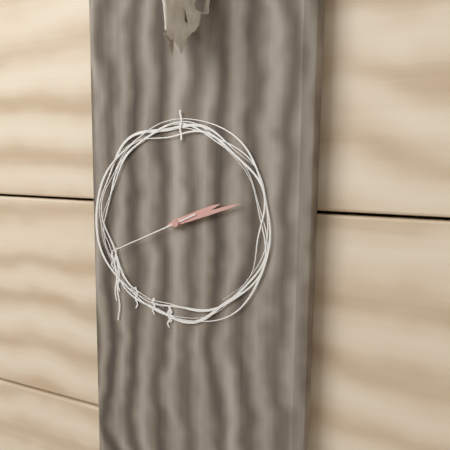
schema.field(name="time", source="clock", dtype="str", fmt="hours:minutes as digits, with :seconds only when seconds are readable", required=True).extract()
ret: 2:12:41
